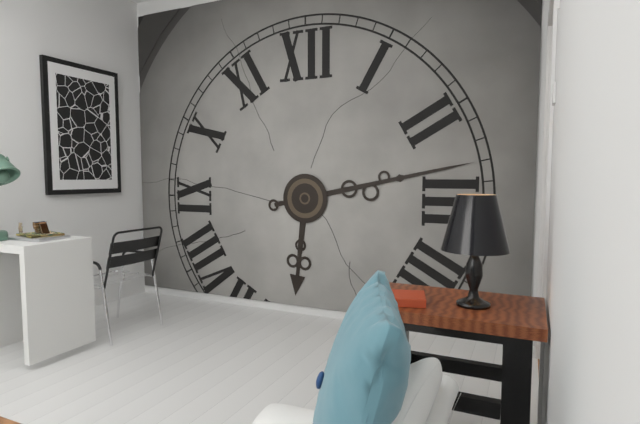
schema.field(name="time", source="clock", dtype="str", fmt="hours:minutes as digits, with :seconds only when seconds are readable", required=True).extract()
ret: 6:13
